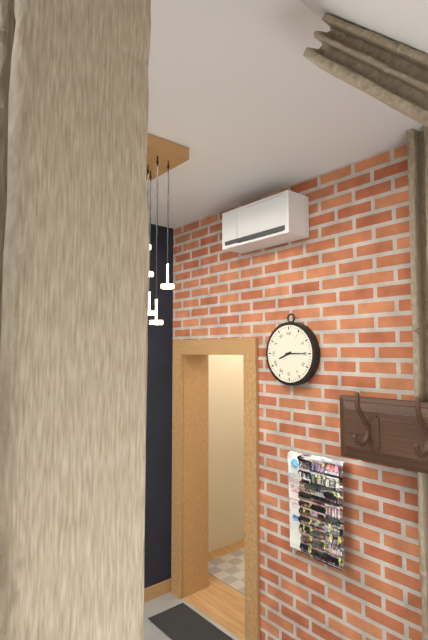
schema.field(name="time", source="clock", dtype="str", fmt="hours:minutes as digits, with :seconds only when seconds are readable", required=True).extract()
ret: 8:15
